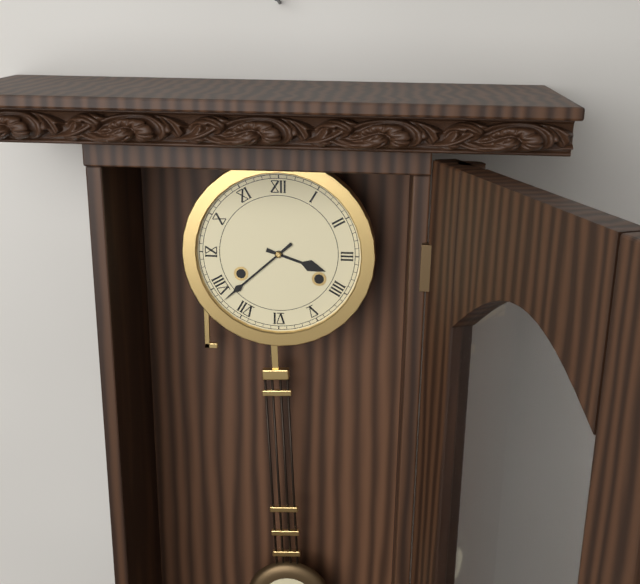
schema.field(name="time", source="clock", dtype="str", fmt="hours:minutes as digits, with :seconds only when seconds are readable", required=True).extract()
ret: 3:38
